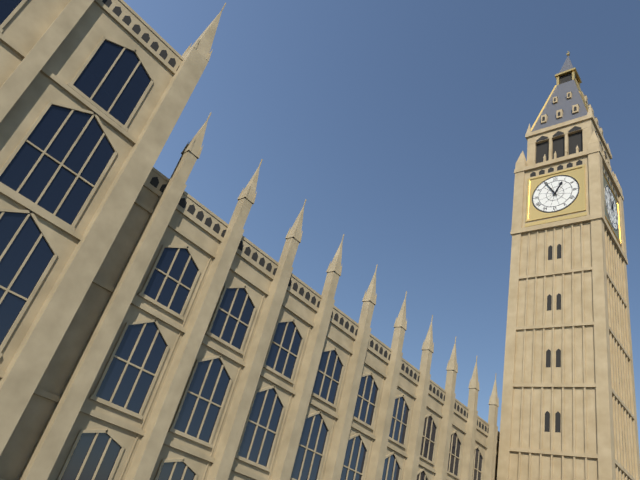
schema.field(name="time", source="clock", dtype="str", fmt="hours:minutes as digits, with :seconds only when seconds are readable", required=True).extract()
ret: 12:55
